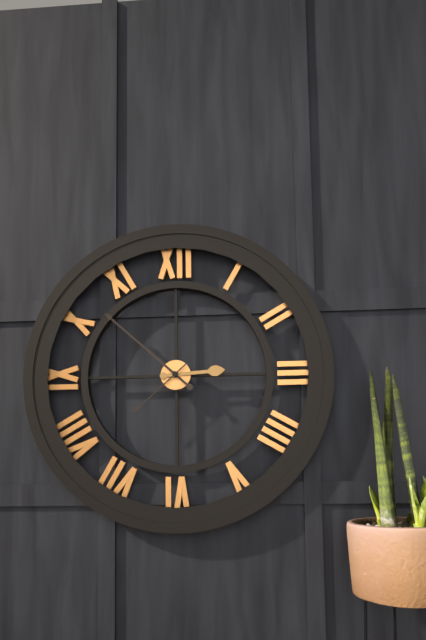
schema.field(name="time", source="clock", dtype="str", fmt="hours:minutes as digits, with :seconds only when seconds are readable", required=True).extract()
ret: 2:52:38
